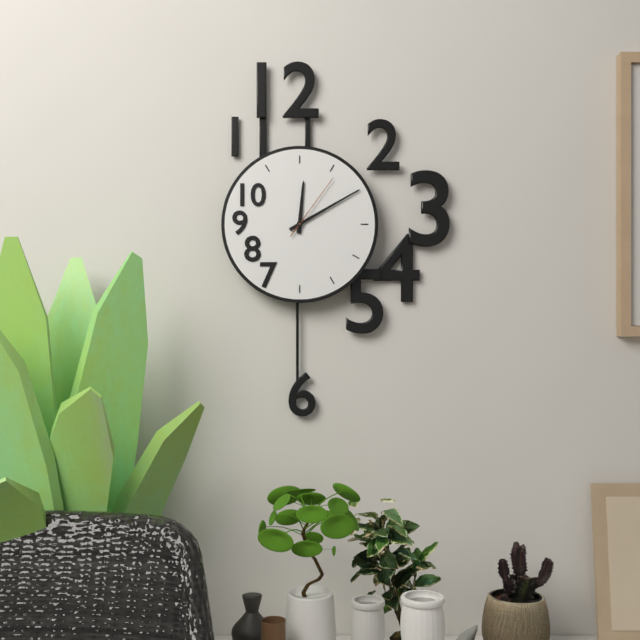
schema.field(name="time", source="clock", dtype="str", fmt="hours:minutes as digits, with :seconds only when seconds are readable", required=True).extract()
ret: 12:10:06
